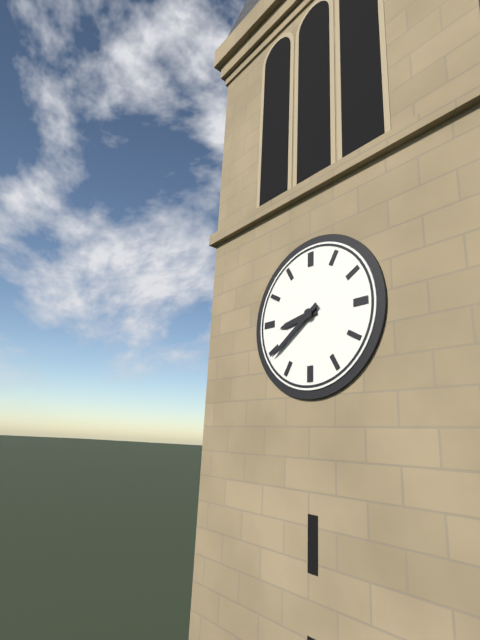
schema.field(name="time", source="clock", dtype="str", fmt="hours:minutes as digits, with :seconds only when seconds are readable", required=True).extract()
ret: 8:39
